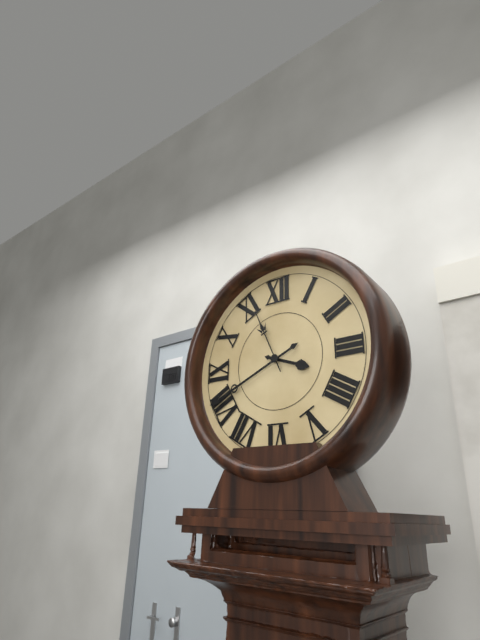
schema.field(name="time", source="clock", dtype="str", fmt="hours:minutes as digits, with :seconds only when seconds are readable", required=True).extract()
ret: 3:41:56
